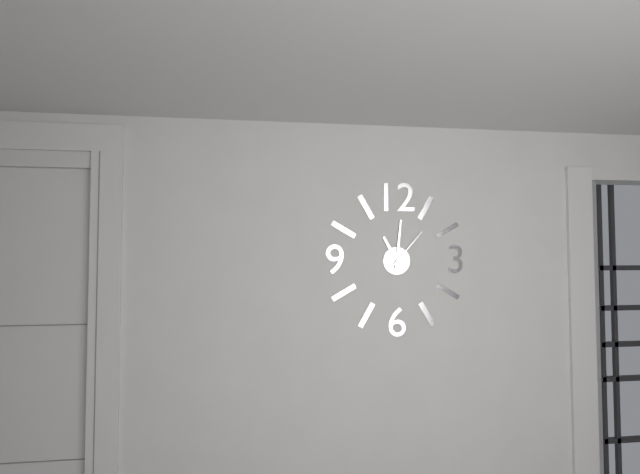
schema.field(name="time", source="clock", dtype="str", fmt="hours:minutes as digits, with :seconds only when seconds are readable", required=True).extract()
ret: 11:01
